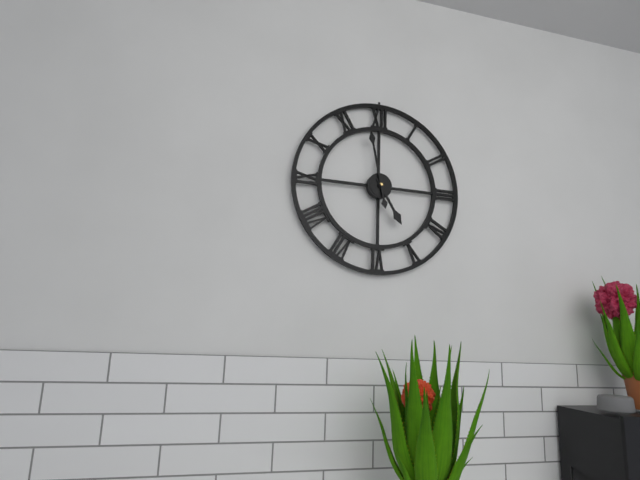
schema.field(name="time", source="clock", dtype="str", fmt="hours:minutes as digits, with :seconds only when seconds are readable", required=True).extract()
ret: 4:58
